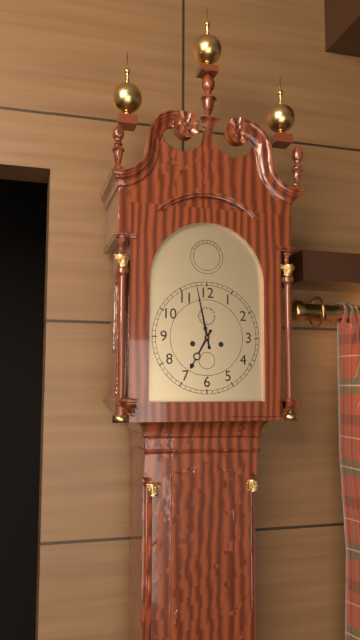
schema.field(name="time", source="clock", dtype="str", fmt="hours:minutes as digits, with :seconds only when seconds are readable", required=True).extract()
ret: 6:58
